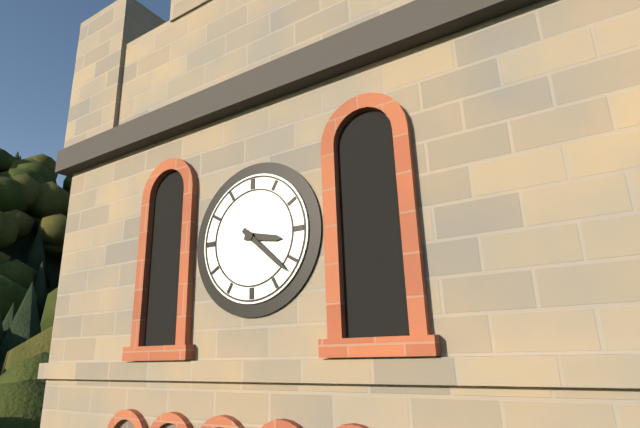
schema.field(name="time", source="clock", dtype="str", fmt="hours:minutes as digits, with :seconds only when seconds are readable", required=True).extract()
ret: 3:22
